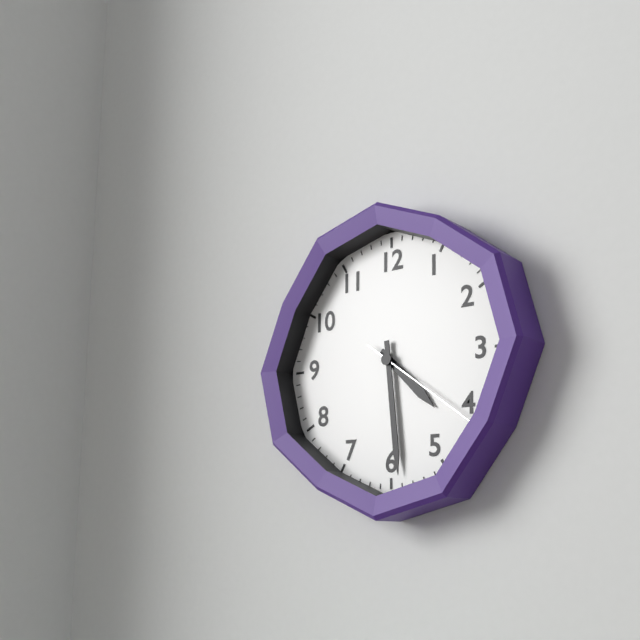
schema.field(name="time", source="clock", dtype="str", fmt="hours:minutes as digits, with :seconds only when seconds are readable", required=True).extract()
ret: 4:29:21
